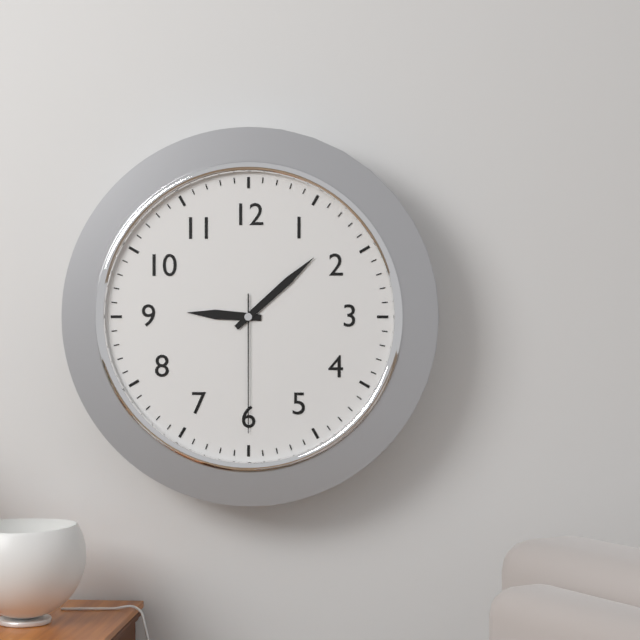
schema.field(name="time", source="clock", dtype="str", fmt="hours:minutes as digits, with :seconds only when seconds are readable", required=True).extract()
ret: 9:08:30
